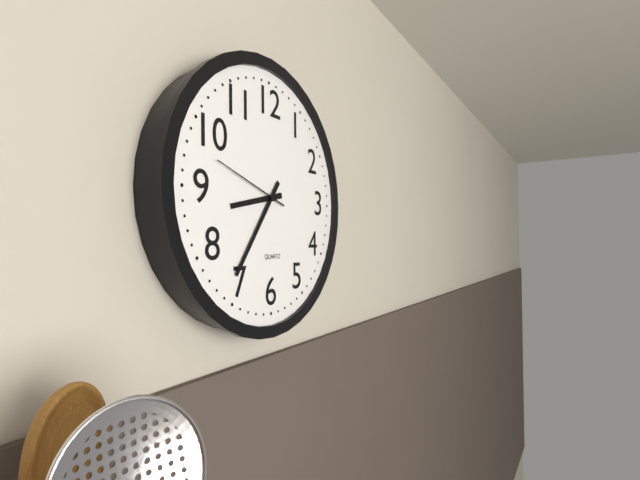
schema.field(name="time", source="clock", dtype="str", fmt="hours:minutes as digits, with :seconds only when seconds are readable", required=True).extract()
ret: 8:36:48
